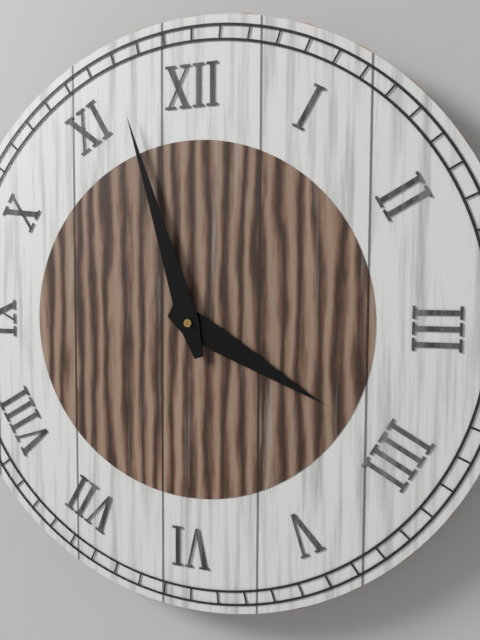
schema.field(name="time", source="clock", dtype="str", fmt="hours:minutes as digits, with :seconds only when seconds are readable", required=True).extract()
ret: 3:57
